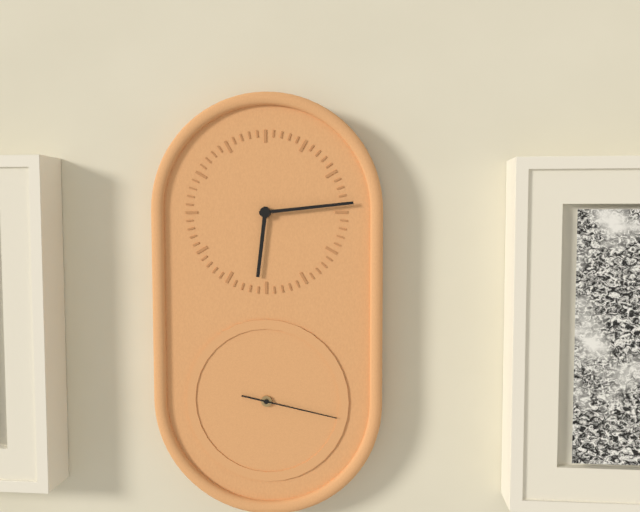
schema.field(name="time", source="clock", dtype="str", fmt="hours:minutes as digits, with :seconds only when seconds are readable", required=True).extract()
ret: 6:14:17
